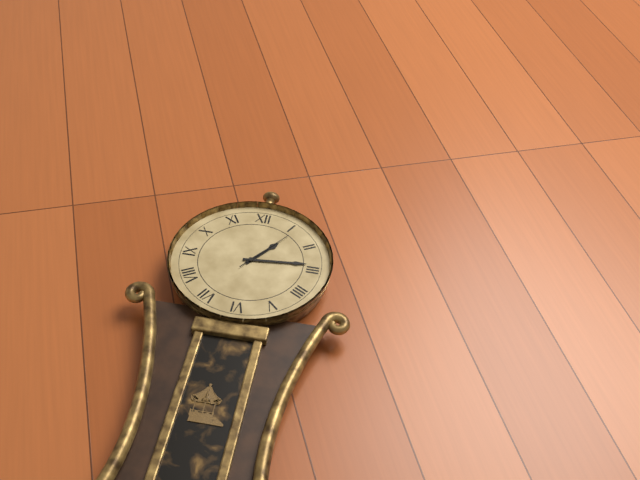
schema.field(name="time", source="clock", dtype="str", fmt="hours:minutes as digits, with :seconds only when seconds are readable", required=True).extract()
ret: 1:14:06
